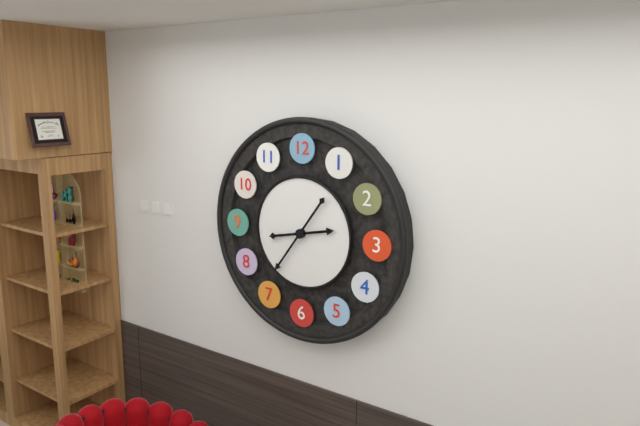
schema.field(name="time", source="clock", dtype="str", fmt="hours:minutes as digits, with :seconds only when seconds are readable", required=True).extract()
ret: 2:36
